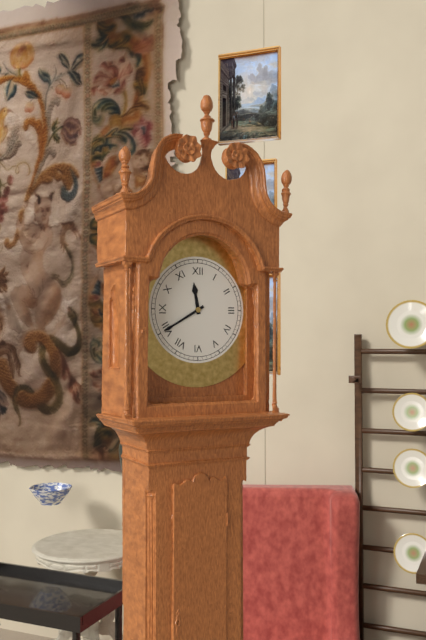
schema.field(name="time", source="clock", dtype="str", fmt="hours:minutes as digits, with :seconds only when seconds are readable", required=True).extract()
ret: 11:40
